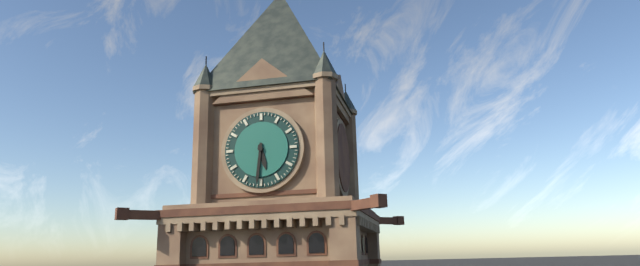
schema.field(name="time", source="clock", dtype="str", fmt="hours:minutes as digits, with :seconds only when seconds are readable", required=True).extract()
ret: 5:31
